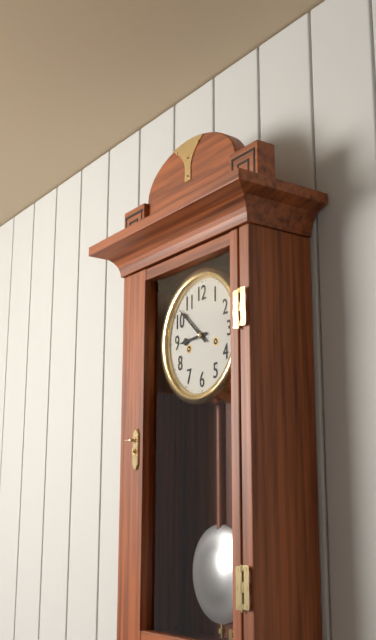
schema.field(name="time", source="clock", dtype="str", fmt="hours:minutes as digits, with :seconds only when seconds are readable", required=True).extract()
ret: 8:52
